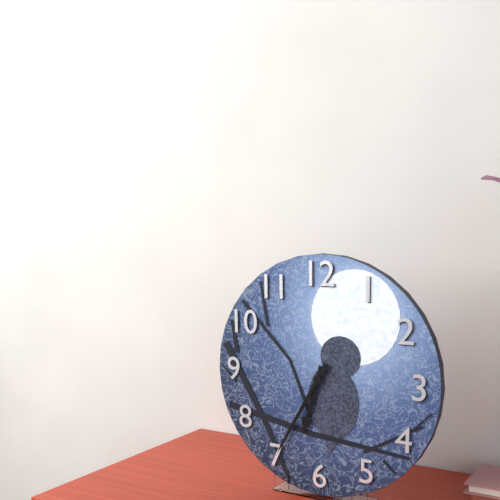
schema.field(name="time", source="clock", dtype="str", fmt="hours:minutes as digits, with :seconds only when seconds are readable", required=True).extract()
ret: 6:35
